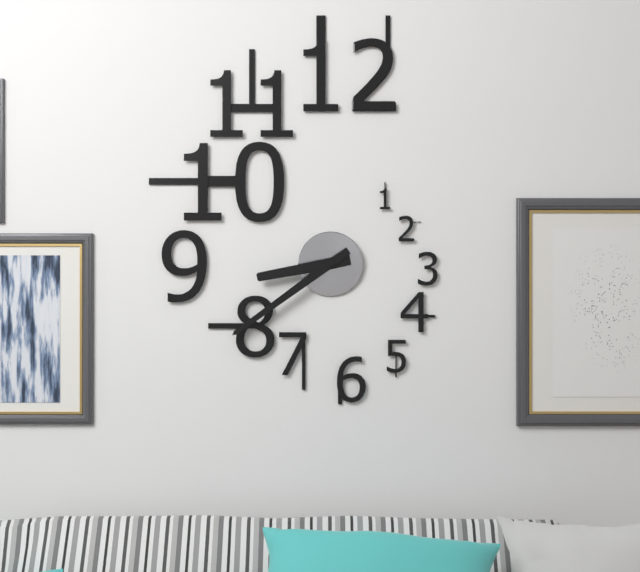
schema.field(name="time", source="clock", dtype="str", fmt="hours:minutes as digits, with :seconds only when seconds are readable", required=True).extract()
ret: 8:39
